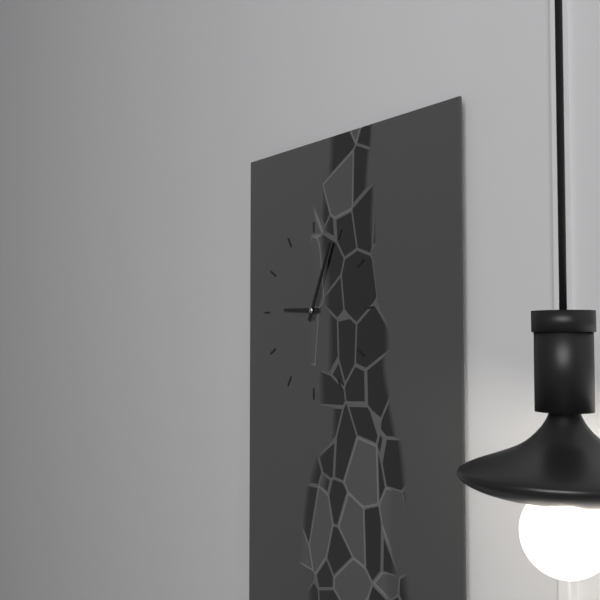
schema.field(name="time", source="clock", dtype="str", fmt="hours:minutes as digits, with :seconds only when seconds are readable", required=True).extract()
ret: 9:04
